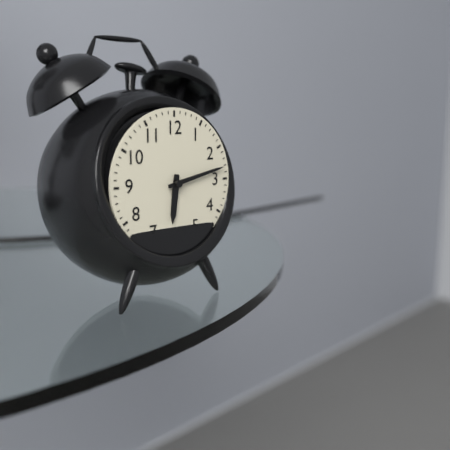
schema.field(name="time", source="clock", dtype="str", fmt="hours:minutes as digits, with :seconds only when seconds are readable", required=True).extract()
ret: 6:13
